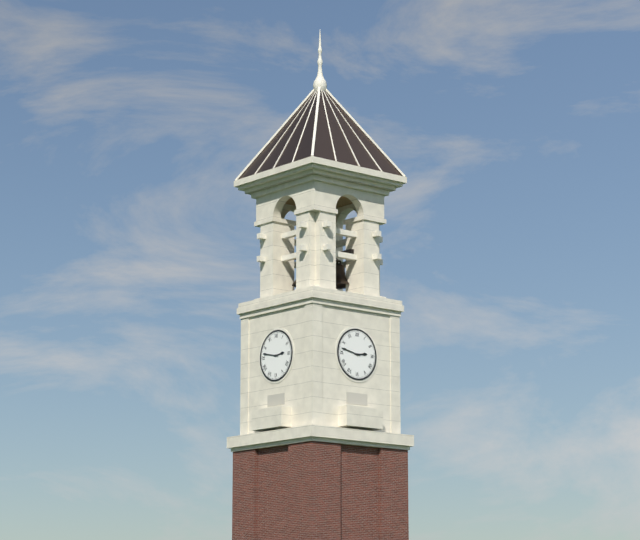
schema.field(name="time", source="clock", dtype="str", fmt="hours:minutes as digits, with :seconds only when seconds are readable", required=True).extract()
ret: 2:47
